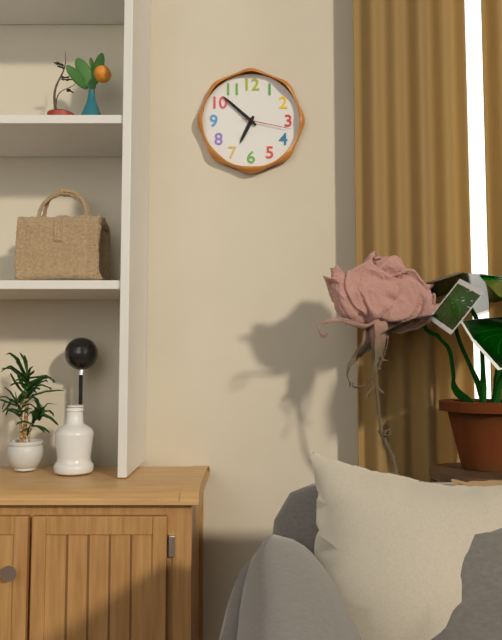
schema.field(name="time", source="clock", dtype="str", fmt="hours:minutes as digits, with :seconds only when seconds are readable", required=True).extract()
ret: 6:52:17
